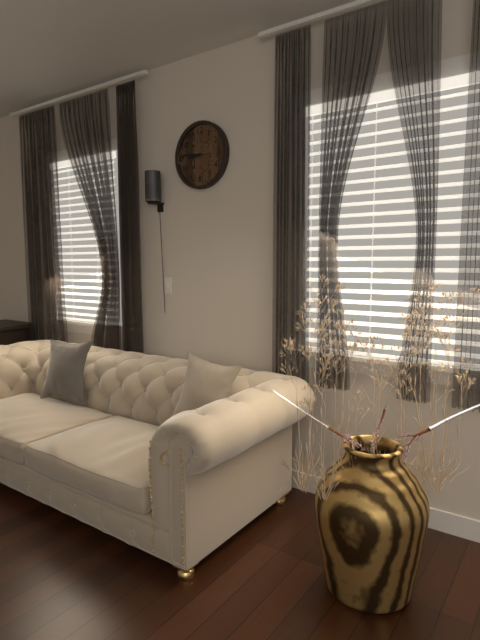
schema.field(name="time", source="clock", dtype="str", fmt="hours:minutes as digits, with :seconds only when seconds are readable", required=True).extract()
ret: 8:46
